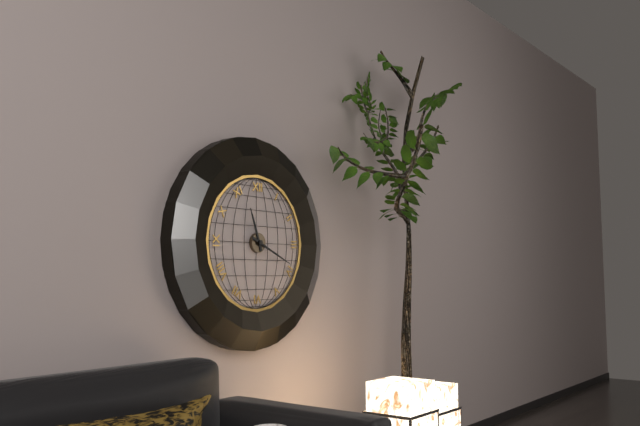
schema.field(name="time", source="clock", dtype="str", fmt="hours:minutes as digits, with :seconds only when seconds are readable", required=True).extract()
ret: 11:19
